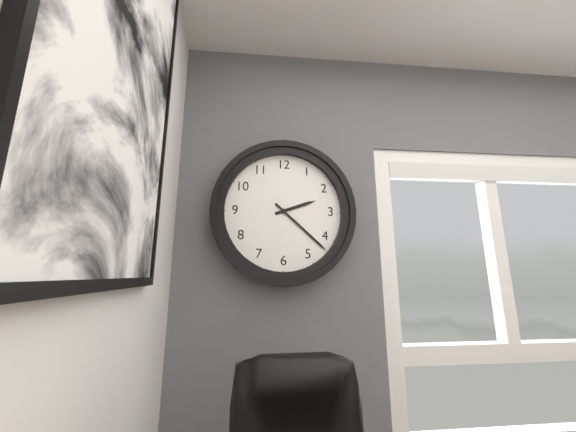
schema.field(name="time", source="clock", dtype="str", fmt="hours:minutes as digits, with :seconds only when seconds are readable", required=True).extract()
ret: 2:22
